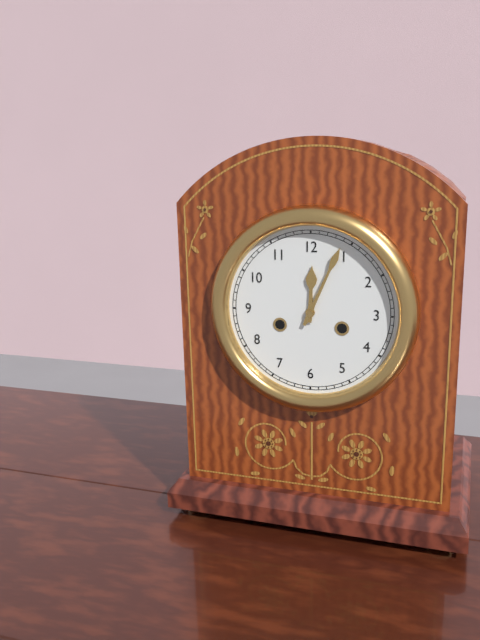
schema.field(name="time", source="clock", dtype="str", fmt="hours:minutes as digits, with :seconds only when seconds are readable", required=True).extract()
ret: 12:04
